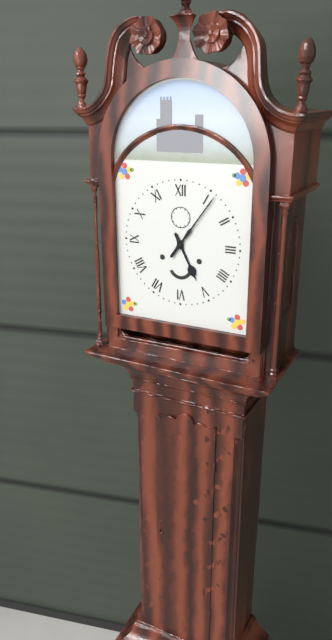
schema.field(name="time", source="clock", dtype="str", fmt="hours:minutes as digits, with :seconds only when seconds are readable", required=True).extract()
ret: 5:06
